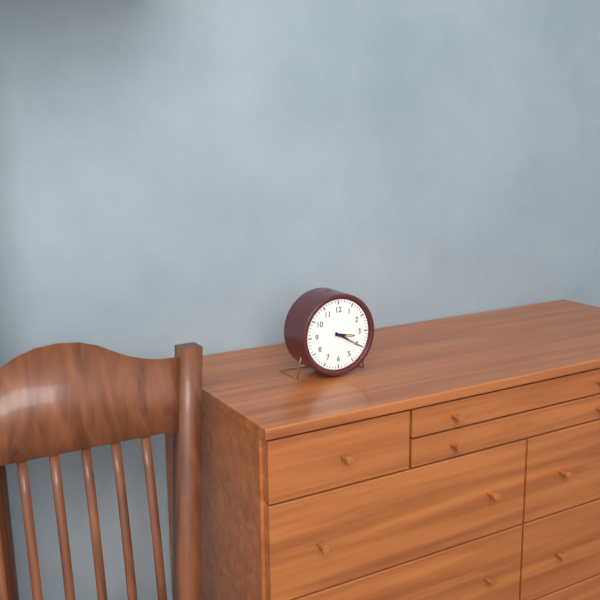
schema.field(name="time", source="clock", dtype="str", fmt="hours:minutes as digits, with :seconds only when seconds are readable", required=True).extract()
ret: 3:20
